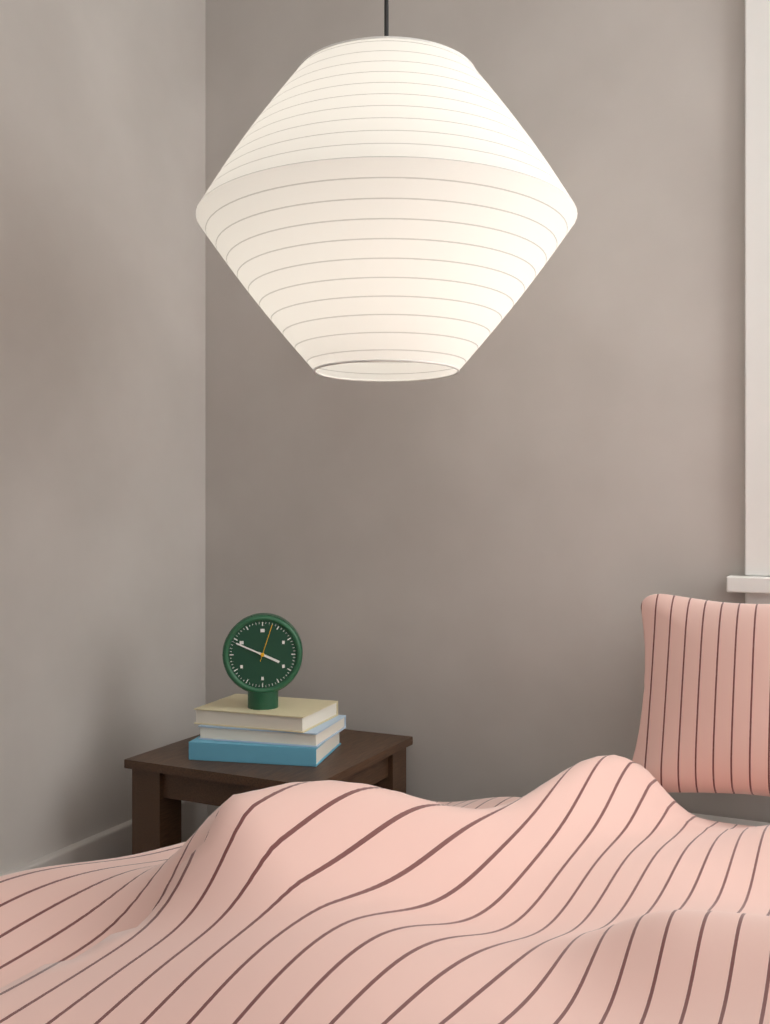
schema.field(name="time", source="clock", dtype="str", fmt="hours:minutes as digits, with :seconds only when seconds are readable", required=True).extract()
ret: 3:49
